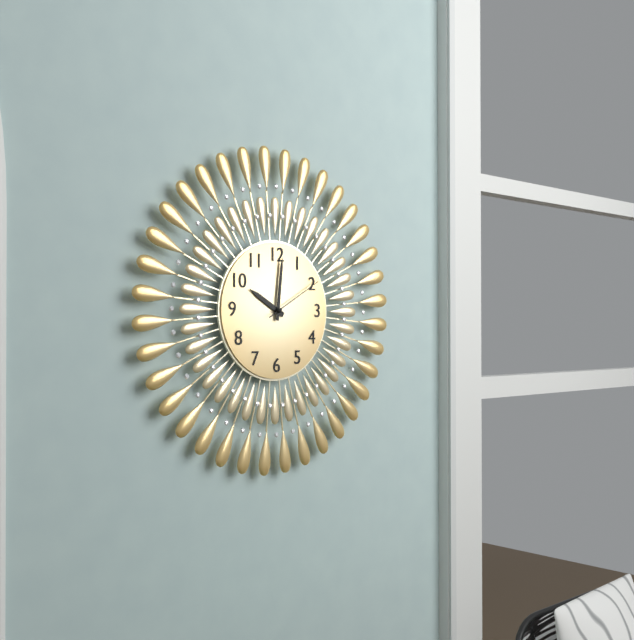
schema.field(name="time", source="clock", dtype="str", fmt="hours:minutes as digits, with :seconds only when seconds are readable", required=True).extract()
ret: 10:01:10
